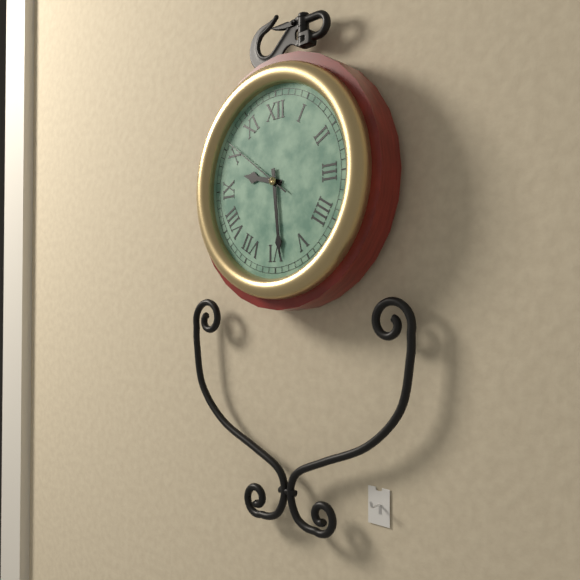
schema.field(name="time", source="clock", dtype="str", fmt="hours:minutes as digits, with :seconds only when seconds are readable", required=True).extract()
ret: 9:29:51
